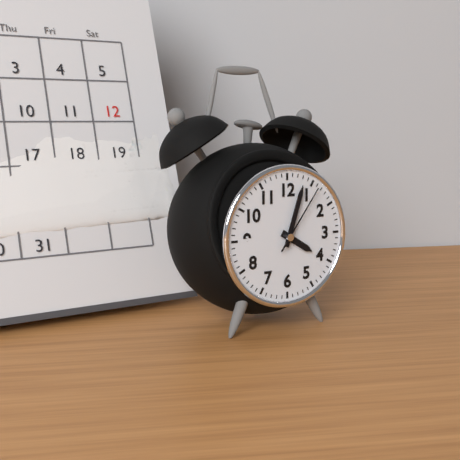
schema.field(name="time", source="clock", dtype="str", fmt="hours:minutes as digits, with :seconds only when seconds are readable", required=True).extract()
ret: 4:03:06
